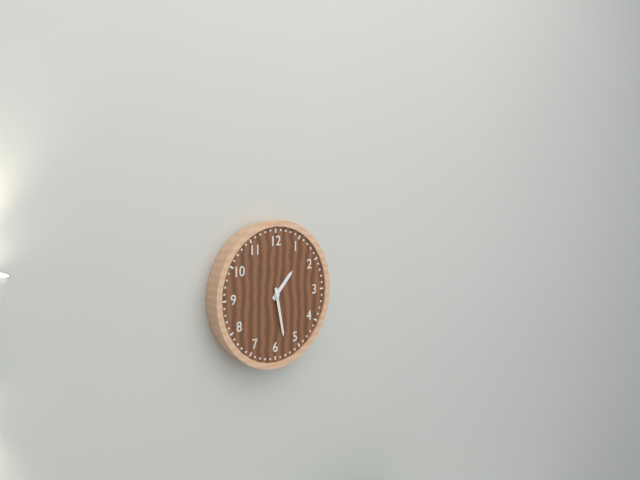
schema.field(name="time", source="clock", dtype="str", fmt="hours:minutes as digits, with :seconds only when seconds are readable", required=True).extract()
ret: 1:28
